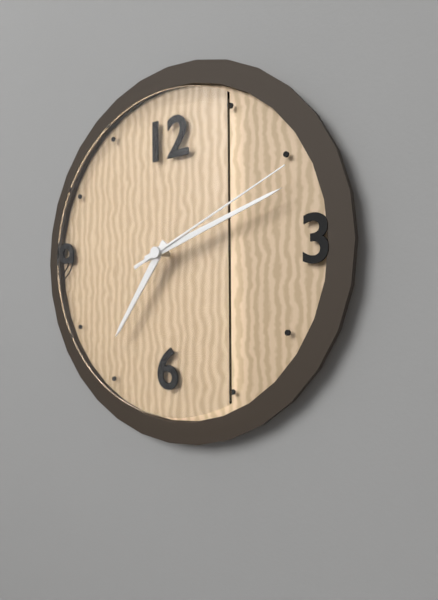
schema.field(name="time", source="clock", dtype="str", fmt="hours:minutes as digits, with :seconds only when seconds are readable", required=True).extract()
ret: 7:12:11
